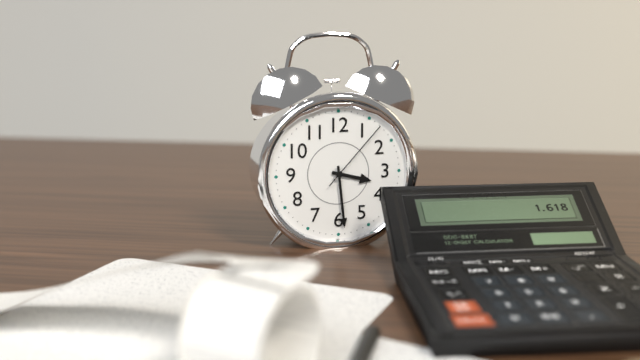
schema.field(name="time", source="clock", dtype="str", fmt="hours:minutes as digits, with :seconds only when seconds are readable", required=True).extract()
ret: 3:29:07
